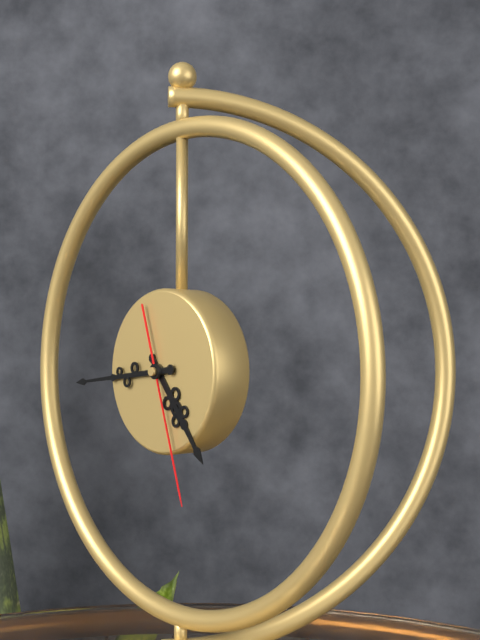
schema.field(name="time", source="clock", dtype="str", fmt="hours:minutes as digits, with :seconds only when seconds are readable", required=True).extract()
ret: 4:44:27
